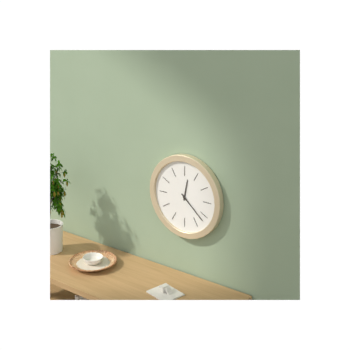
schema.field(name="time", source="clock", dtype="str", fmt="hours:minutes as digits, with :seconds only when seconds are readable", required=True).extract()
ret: 12:22
